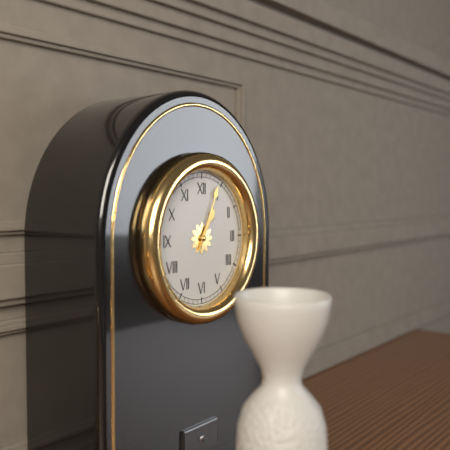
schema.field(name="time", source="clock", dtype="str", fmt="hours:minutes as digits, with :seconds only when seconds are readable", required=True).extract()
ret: 1:04
